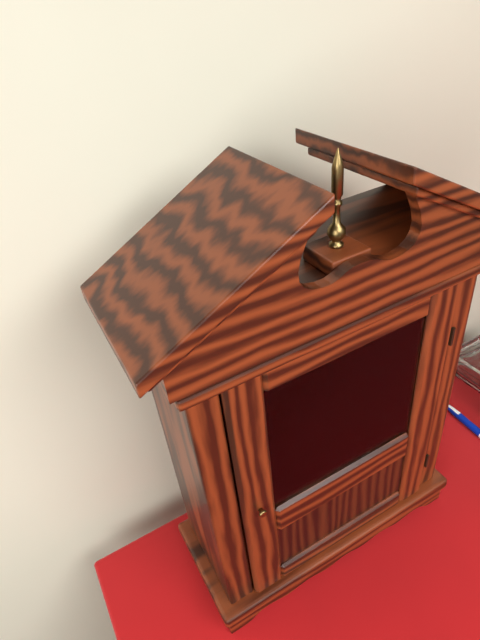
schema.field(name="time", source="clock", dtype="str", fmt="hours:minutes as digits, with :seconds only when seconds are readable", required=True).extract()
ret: 5:49
